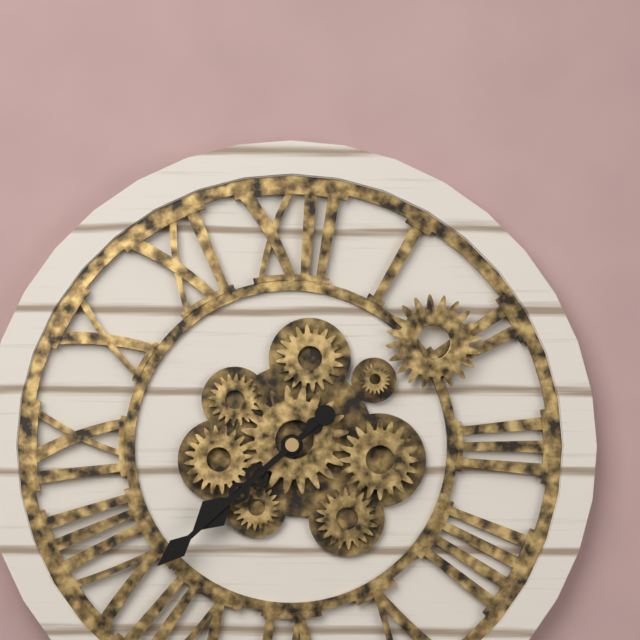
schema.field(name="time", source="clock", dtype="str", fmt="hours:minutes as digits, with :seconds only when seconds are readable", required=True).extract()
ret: 7:38
